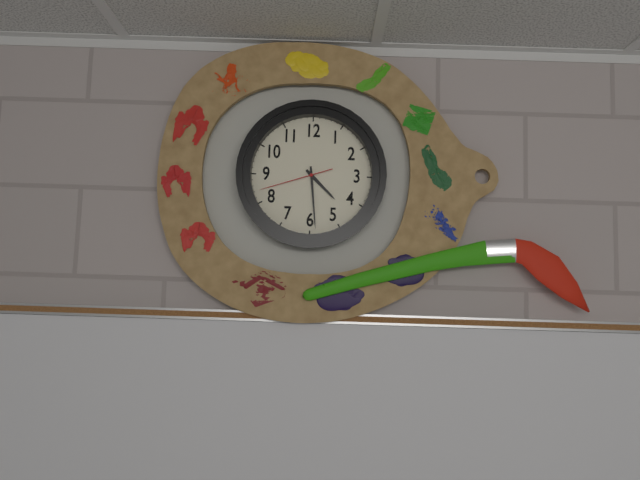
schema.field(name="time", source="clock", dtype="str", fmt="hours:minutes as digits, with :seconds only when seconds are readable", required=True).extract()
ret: 4:29:42
